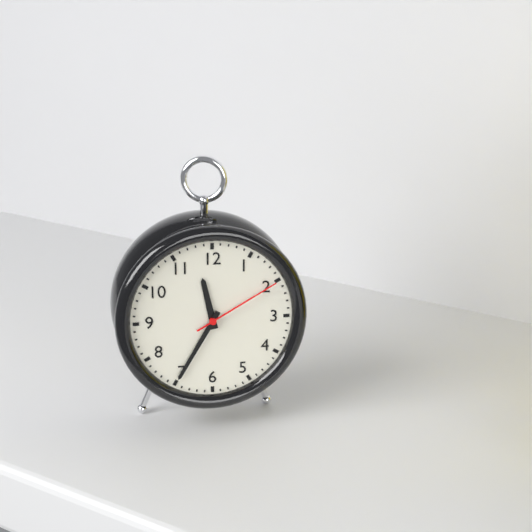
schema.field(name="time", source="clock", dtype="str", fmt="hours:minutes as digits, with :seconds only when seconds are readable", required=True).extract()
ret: 11:35:10
